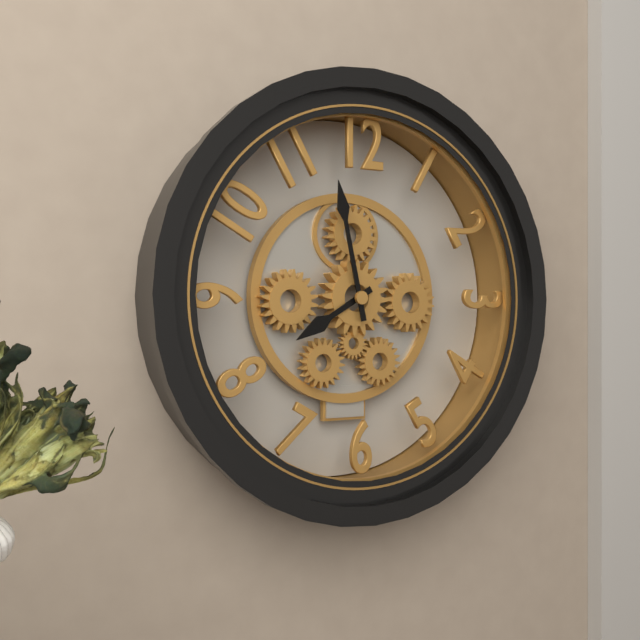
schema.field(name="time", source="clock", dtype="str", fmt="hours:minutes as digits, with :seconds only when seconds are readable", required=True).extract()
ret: 7:58
